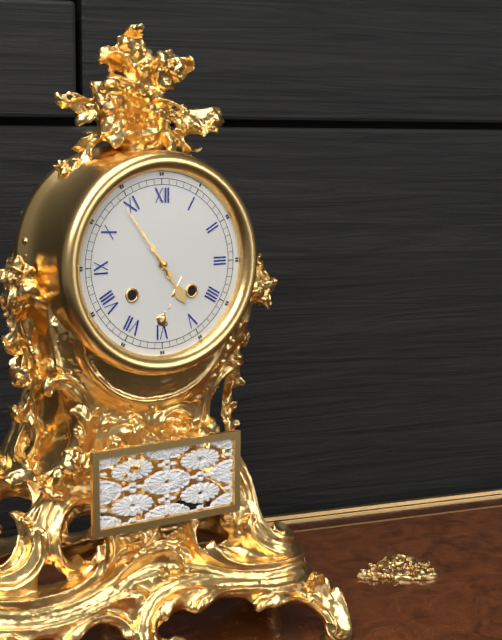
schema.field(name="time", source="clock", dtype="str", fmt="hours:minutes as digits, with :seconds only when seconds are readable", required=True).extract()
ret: 4:54
